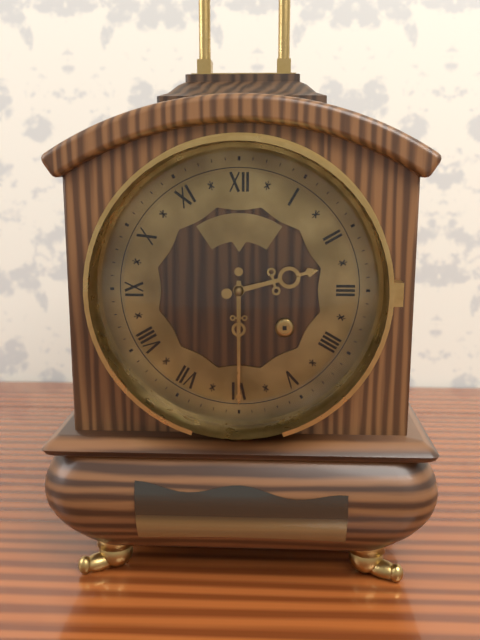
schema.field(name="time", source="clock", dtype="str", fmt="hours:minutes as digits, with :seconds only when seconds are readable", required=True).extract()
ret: 2:30
